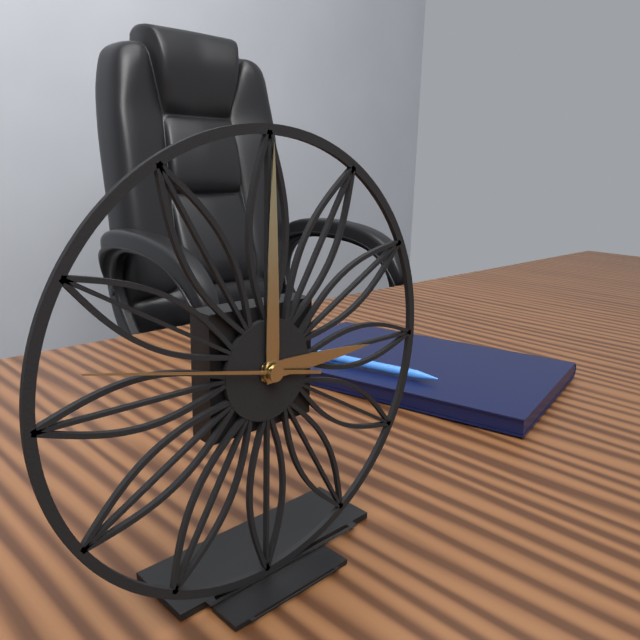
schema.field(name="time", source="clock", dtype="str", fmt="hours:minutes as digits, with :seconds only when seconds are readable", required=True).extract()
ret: 3:00:47
